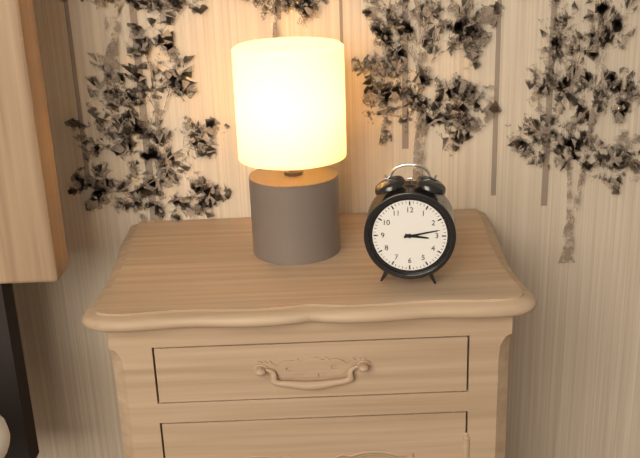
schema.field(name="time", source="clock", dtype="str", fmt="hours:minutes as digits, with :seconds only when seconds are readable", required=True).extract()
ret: 3:13
